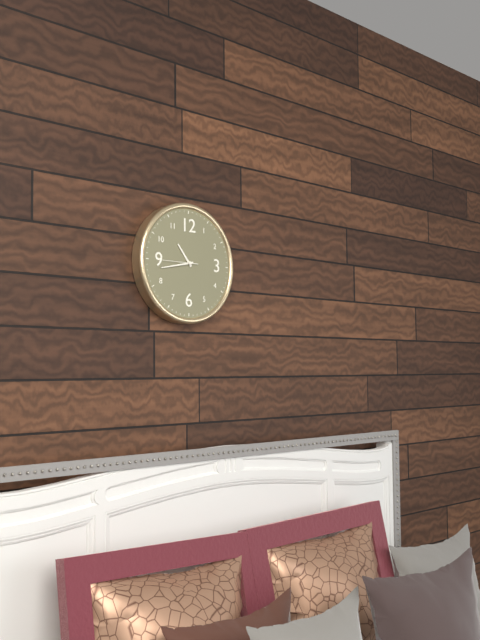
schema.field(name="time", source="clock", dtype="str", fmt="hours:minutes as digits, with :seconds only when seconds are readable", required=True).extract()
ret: 10:43
